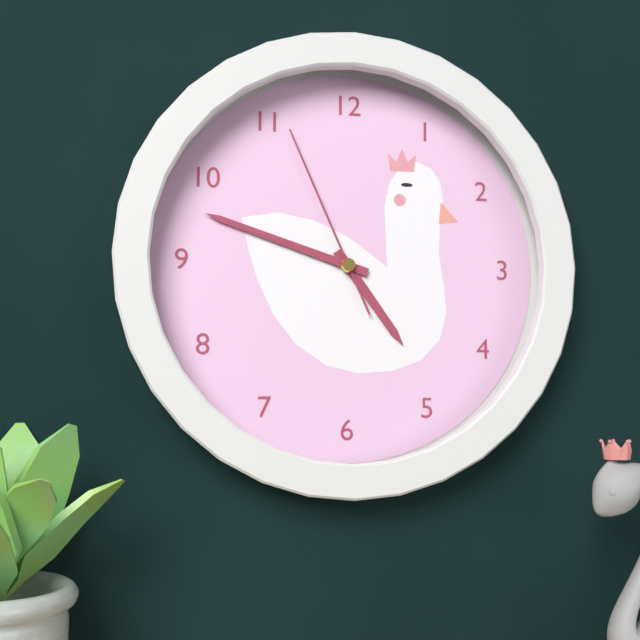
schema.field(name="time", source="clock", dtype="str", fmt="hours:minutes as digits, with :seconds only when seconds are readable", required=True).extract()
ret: 4:48:56
